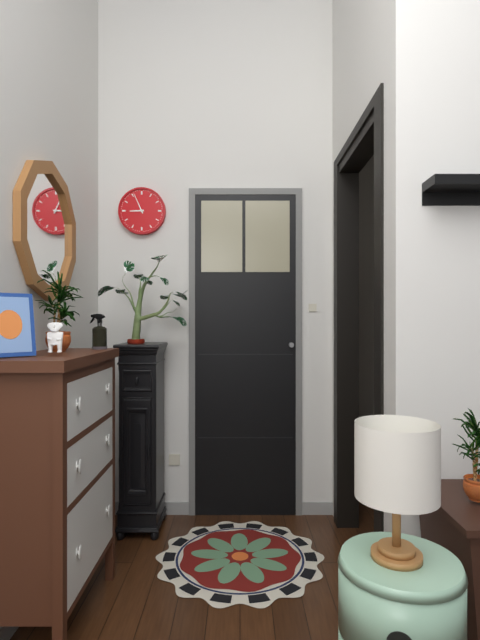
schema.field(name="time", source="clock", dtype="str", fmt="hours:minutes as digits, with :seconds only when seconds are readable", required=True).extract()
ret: 8:56
